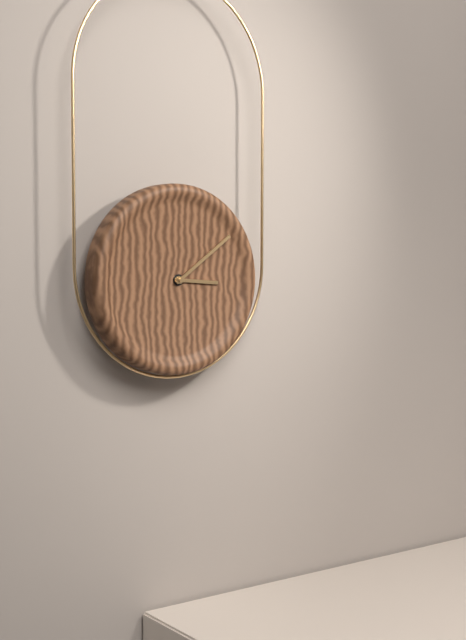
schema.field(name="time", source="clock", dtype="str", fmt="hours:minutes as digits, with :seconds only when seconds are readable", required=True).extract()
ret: 3:09
